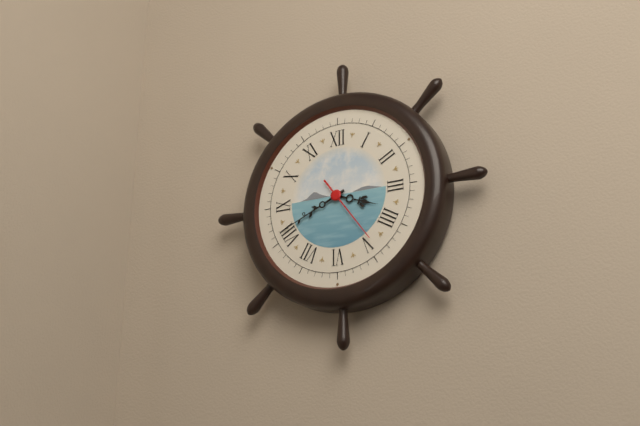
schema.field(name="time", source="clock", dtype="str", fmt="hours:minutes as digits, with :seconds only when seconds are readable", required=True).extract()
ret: 3:41:24
